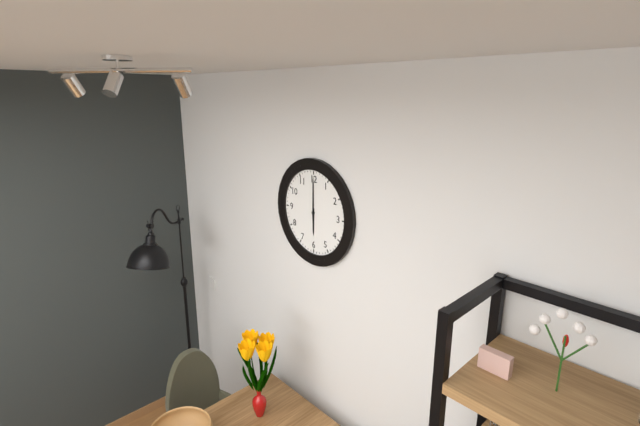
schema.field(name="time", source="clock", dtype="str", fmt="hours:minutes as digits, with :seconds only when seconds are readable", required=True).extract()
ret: 6:00
